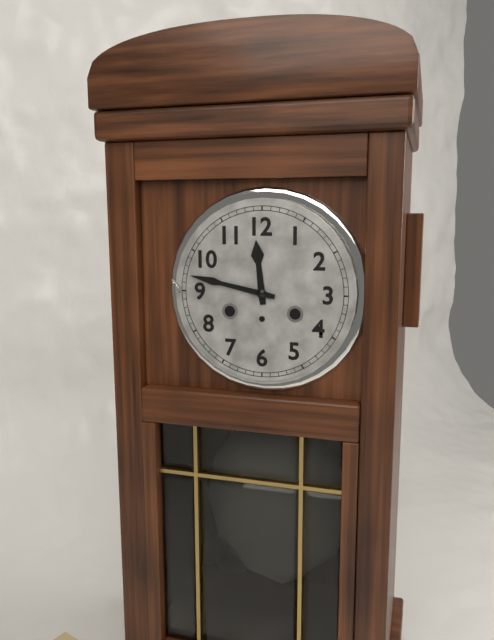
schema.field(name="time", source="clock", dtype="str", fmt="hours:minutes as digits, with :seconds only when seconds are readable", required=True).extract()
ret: 11:47
